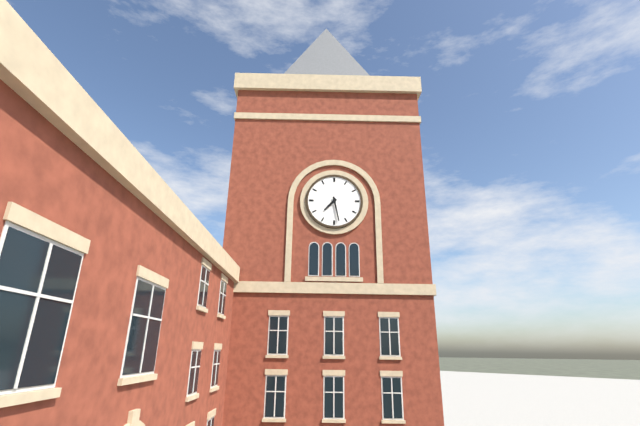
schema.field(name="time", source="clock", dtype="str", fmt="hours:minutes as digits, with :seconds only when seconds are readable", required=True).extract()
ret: 7:28
